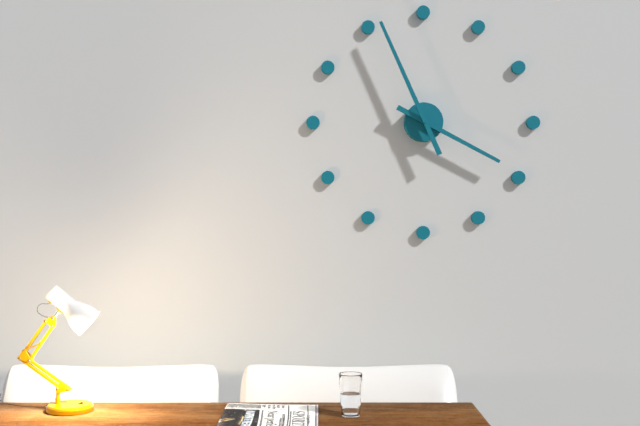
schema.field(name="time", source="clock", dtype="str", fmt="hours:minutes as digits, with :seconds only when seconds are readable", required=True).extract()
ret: 3:56
